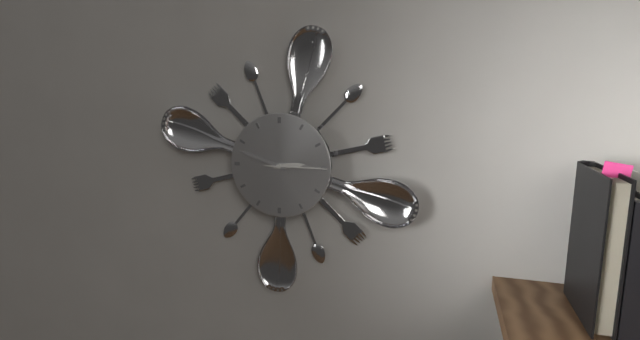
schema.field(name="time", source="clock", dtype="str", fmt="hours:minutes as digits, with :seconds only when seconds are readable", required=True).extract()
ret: 2:48:15
